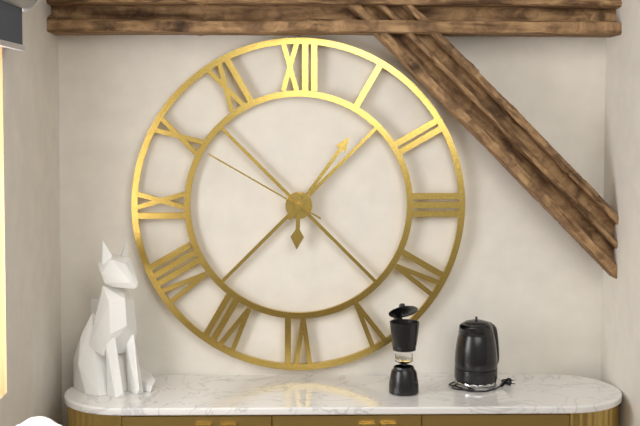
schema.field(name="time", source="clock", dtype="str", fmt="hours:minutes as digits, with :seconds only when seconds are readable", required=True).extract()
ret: 6:06:50
